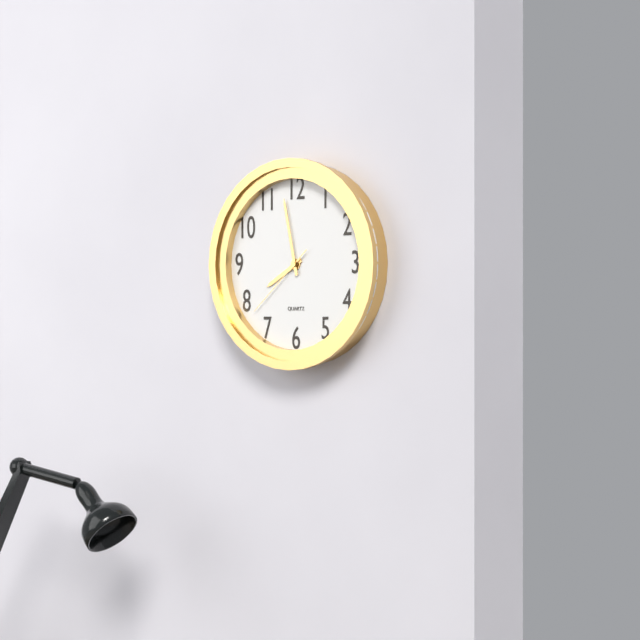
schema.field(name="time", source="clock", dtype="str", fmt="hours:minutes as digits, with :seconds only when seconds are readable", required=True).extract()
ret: 7:58:38
